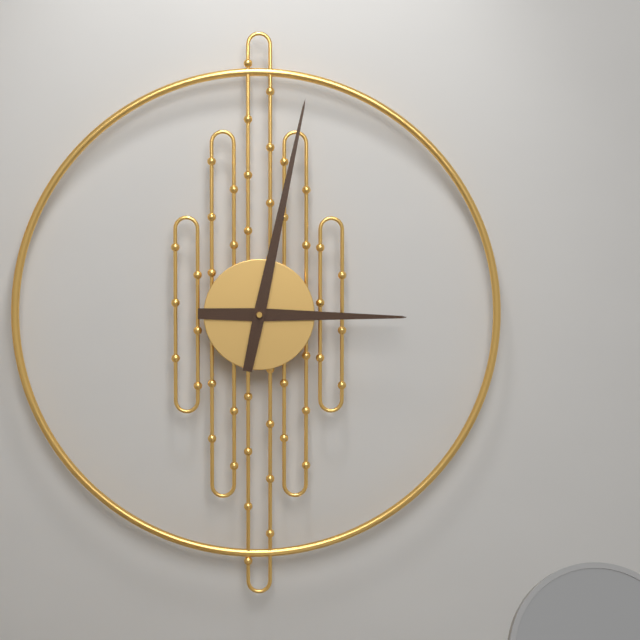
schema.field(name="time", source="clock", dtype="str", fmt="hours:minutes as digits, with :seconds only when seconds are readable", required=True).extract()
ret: 3:02
